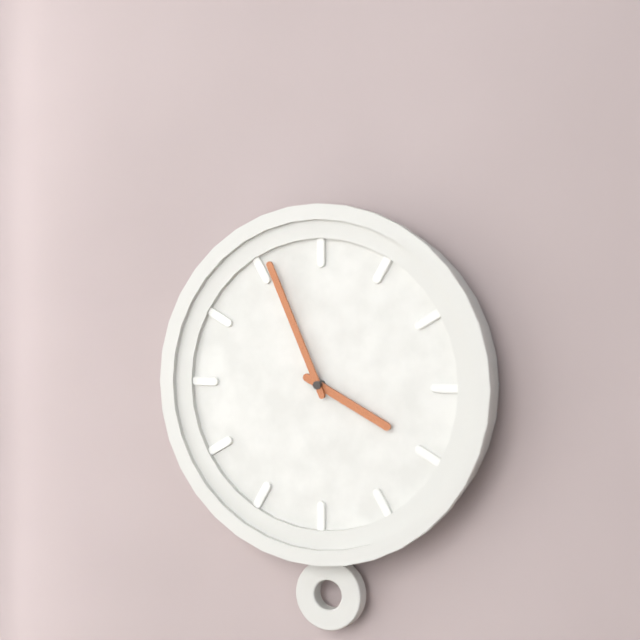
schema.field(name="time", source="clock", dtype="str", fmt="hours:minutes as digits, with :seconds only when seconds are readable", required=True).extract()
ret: 3:56
